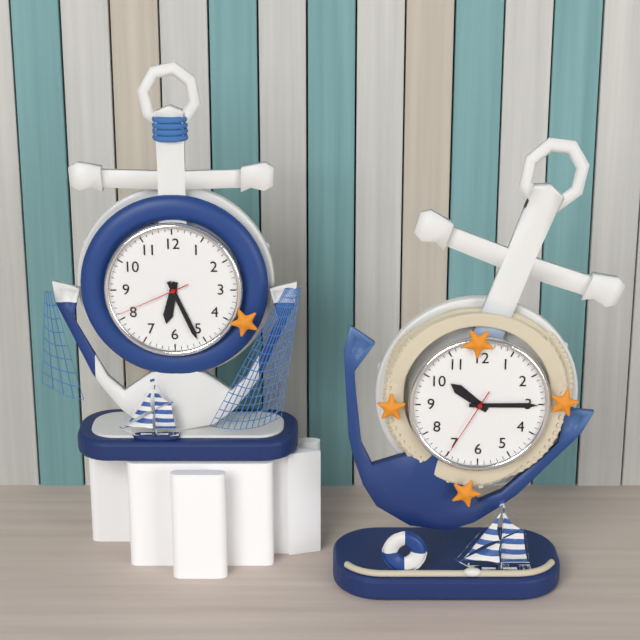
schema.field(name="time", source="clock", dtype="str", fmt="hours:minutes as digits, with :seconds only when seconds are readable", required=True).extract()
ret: 6:26:41
